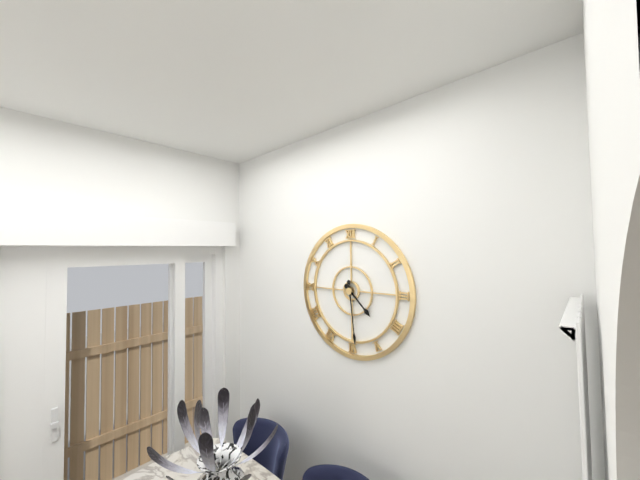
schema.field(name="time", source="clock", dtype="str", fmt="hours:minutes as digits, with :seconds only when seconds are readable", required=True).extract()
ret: 4:29
